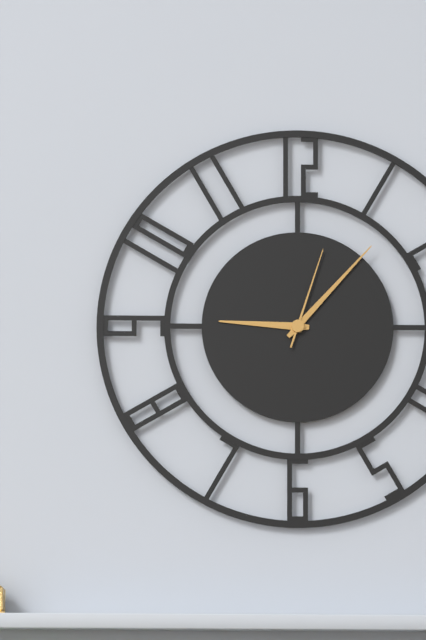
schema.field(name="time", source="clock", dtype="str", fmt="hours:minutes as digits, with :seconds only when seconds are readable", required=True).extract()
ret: 9:07:03
